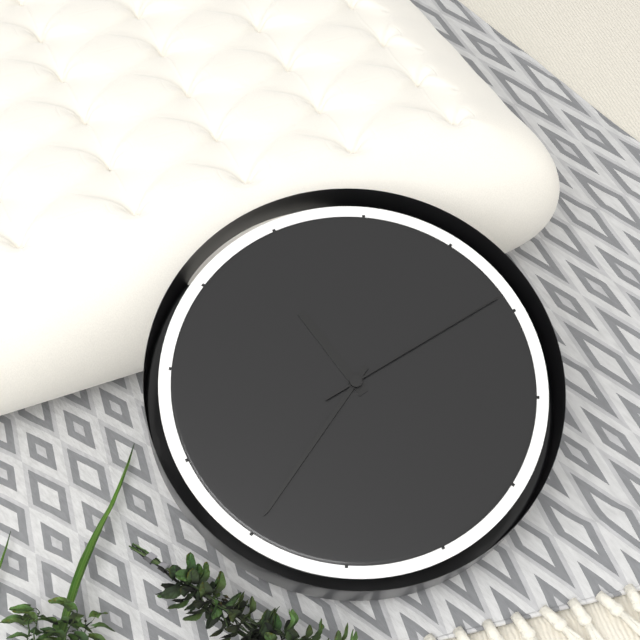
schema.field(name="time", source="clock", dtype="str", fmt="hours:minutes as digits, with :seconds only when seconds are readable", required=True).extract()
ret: 11:40:14
